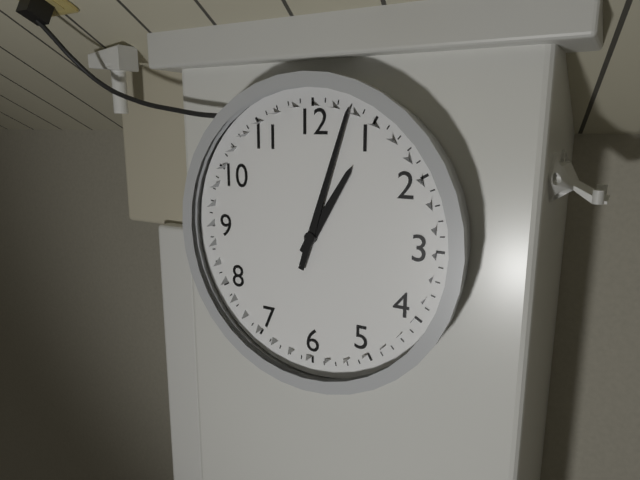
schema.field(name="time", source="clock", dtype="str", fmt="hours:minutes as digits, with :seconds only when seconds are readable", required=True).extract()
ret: 1:03
